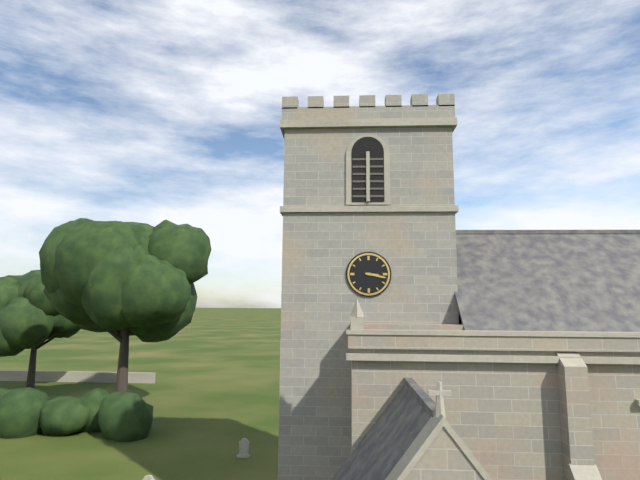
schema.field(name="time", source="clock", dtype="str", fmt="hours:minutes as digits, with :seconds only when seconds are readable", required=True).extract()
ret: 3:17
